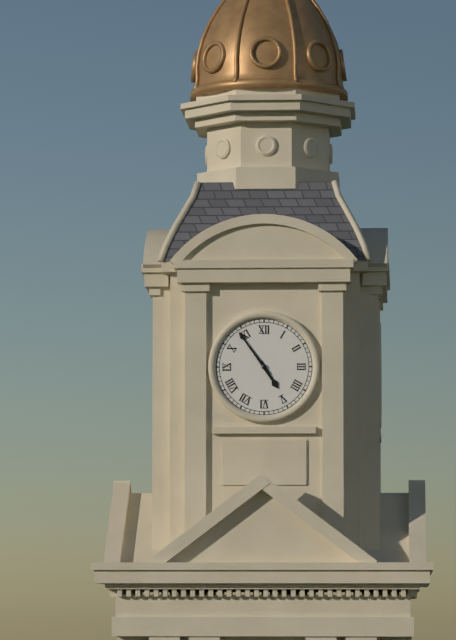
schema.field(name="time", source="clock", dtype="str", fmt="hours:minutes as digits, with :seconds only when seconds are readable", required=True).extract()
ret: 4:54
